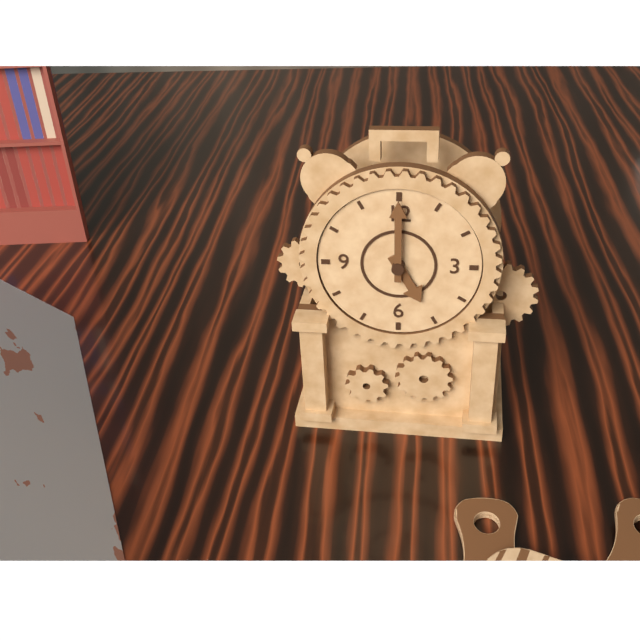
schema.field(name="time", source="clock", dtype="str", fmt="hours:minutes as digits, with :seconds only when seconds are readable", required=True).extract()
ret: 5:00
